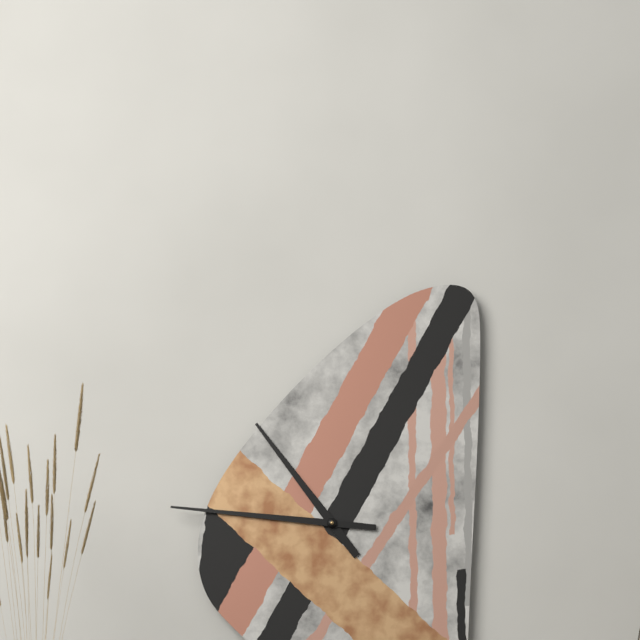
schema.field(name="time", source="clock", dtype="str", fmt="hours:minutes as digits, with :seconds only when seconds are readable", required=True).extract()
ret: 10:46
